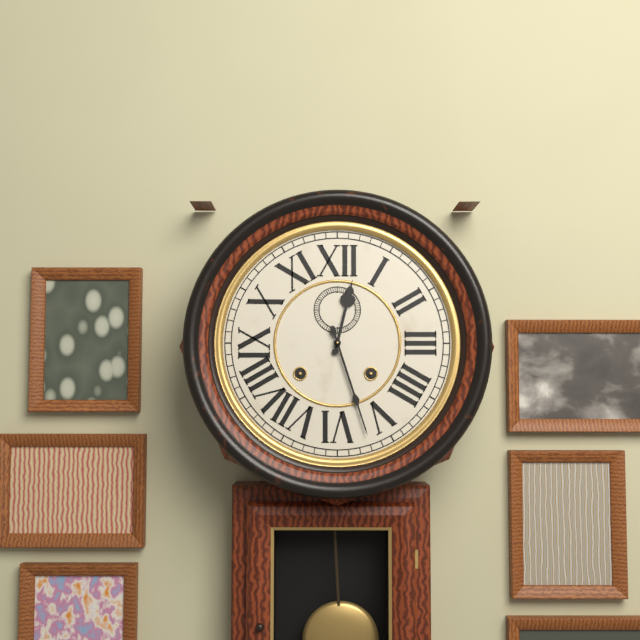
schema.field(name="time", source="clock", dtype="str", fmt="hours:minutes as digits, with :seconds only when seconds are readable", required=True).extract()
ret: 12:27
